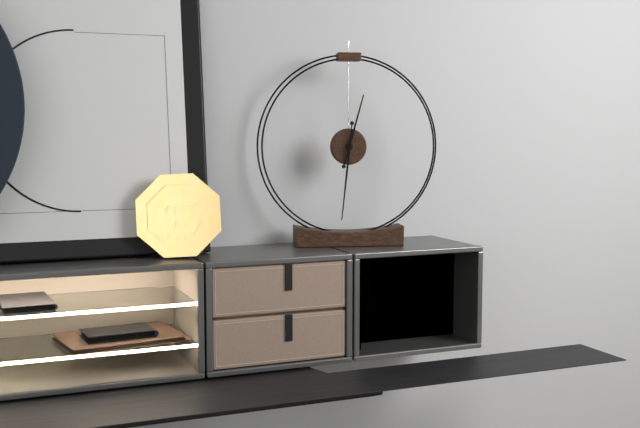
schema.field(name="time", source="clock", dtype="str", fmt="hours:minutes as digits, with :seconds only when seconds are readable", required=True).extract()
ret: 12:31
